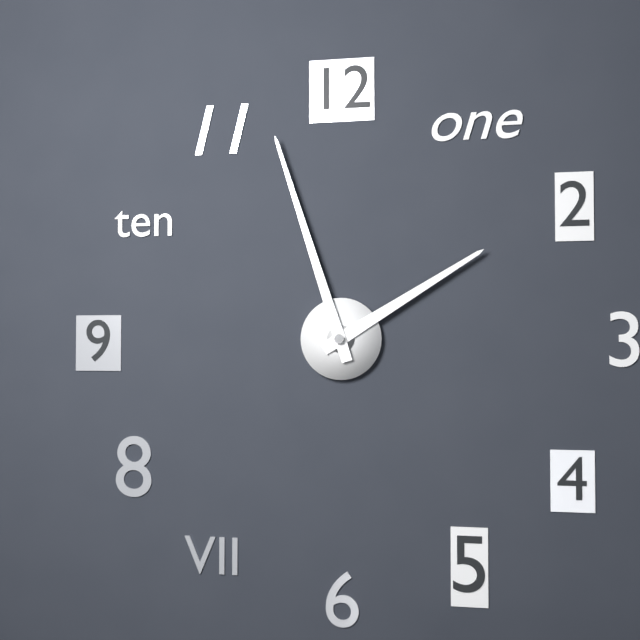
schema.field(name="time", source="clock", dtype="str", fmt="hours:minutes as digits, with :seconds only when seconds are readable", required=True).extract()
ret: 1:57
